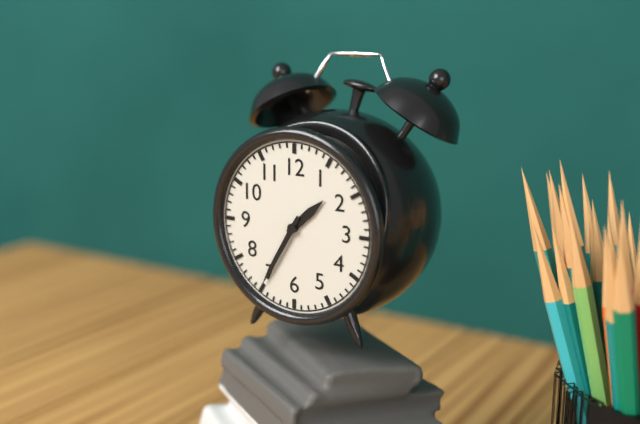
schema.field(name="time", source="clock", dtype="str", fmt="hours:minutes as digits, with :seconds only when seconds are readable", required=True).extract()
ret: 1:35
